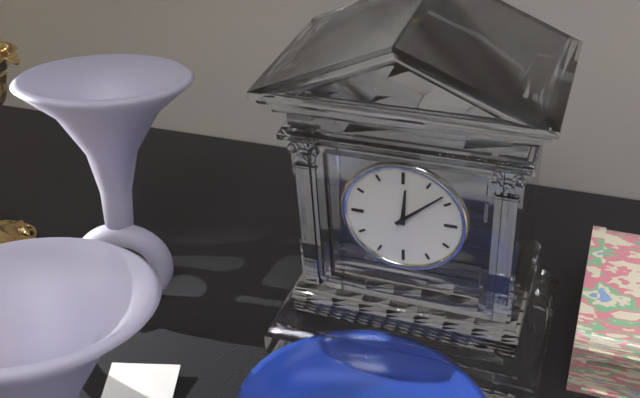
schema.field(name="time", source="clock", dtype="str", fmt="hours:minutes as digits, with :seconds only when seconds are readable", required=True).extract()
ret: 12:08
